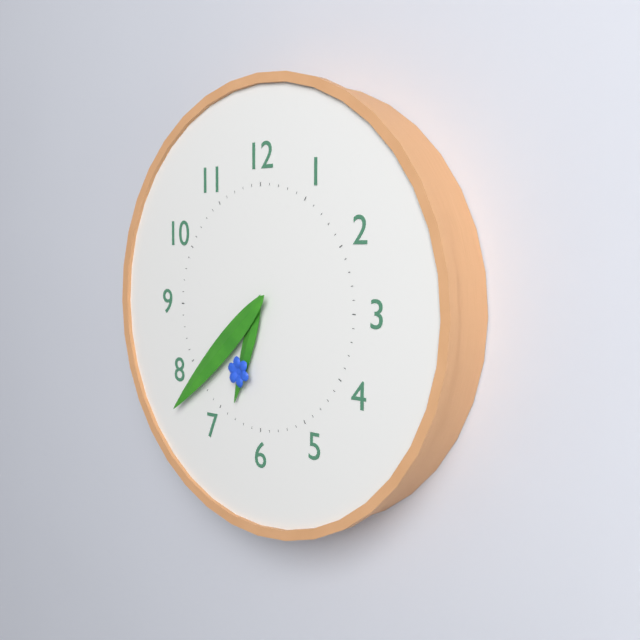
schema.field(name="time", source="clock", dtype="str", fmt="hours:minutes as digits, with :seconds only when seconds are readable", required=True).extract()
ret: 6:38
